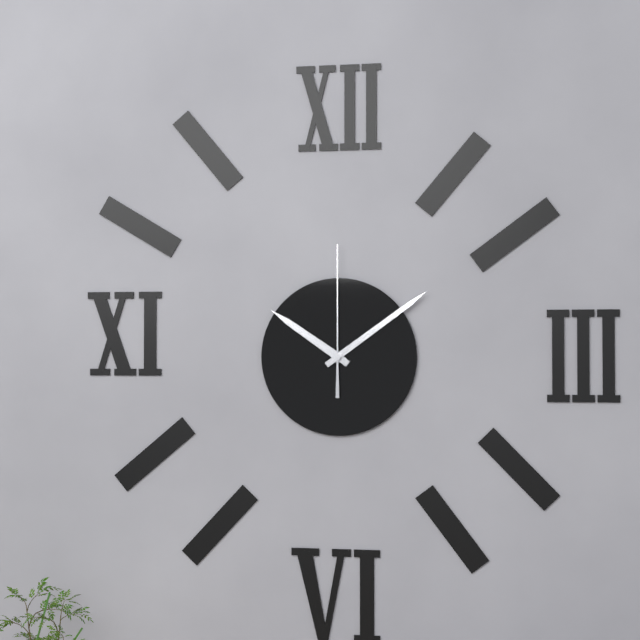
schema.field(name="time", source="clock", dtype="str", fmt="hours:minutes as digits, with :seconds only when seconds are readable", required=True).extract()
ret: 10:09:00
